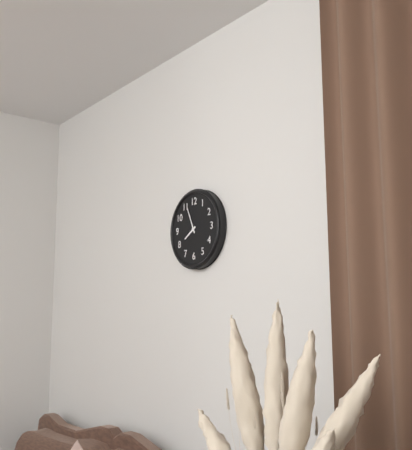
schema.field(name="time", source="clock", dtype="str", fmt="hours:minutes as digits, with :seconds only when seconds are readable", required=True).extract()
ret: 7:56
